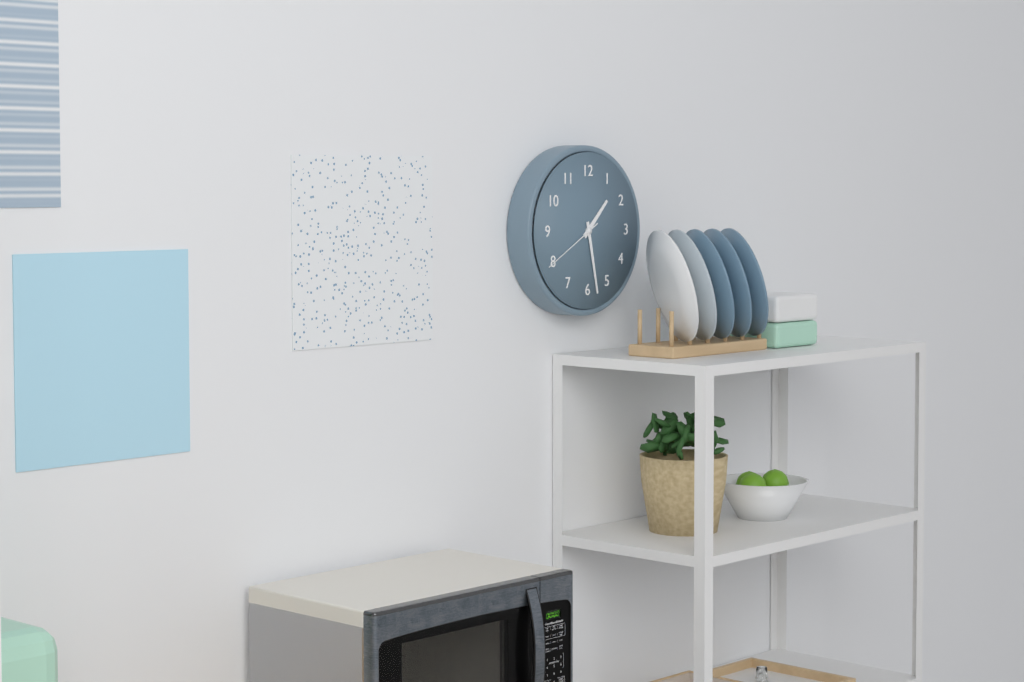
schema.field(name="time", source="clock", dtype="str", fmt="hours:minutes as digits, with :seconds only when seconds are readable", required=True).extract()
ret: 1:28:40
